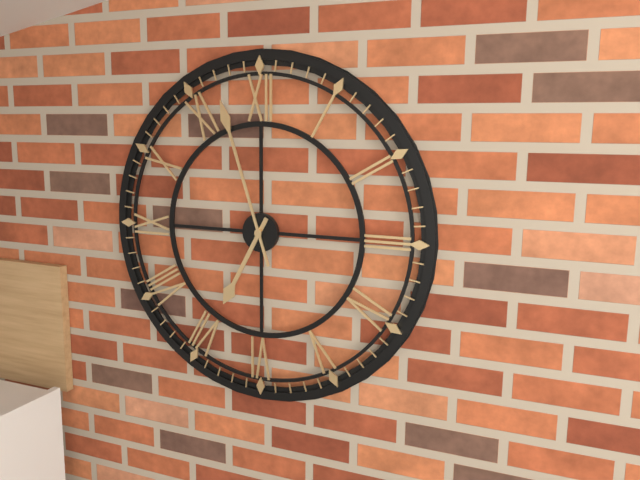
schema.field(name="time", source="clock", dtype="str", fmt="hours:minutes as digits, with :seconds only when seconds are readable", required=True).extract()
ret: 6:57
